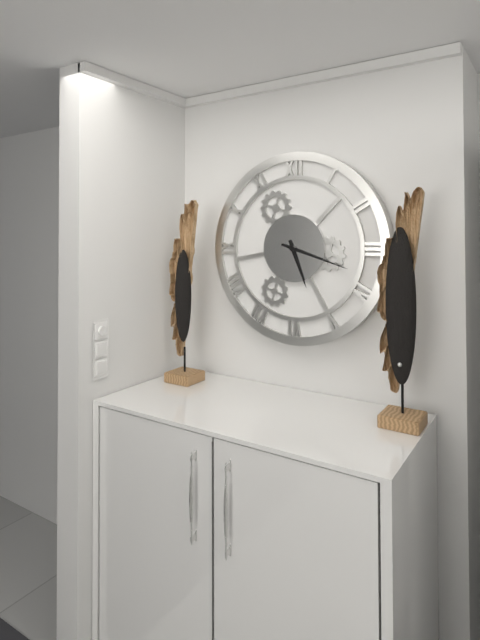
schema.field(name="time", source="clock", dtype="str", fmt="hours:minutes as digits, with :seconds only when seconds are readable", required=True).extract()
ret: 5:18
